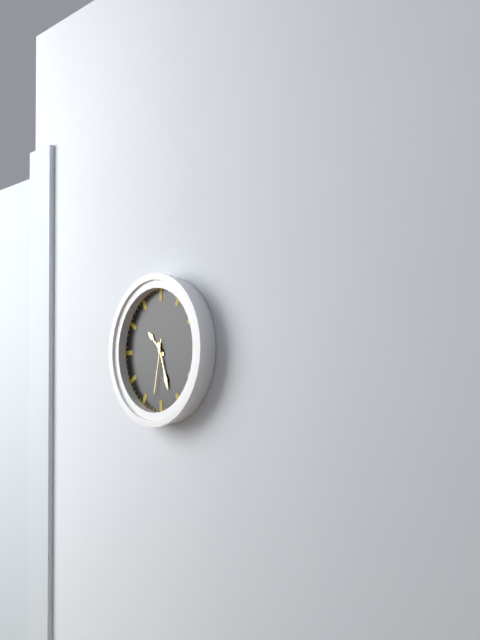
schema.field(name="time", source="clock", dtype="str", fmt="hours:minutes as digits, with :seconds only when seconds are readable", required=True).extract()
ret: 10:27:32
